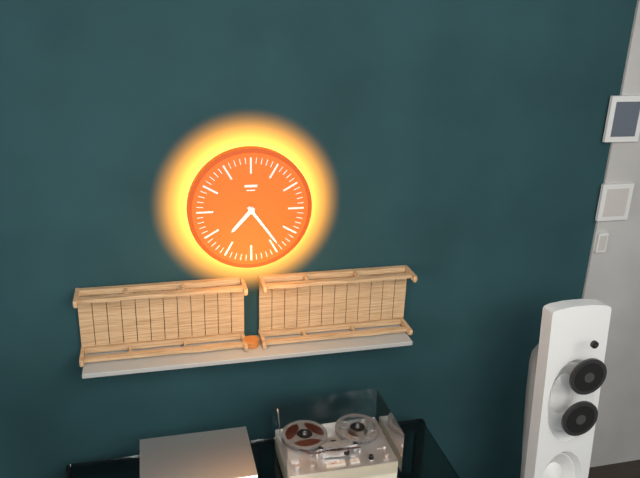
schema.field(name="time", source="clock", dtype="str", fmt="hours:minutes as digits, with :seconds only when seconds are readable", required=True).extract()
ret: 7:24
